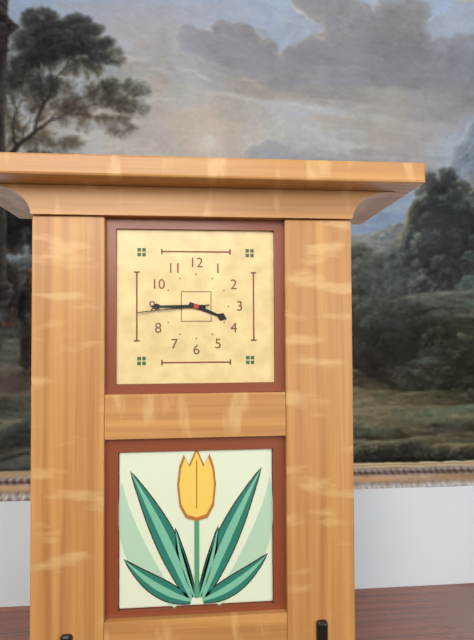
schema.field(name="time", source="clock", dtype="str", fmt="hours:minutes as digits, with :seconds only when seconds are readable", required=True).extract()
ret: 3:45:44
